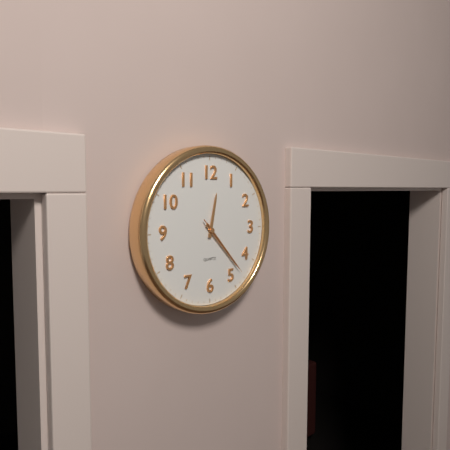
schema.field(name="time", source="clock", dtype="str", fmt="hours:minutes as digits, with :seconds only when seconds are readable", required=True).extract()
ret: 12:23:23
